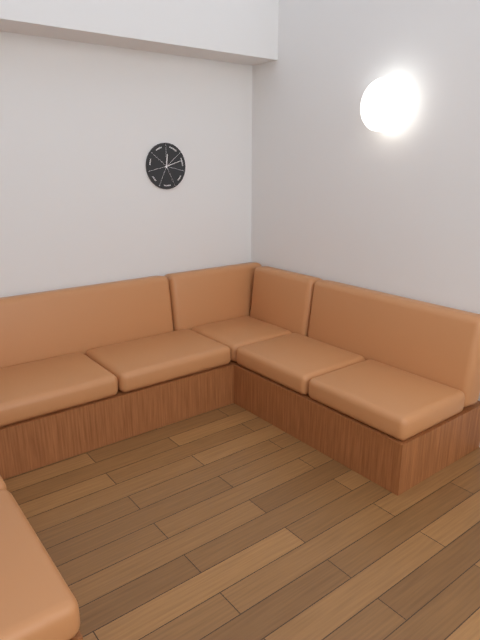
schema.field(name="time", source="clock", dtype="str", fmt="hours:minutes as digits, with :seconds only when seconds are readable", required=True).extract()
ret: 12:12
